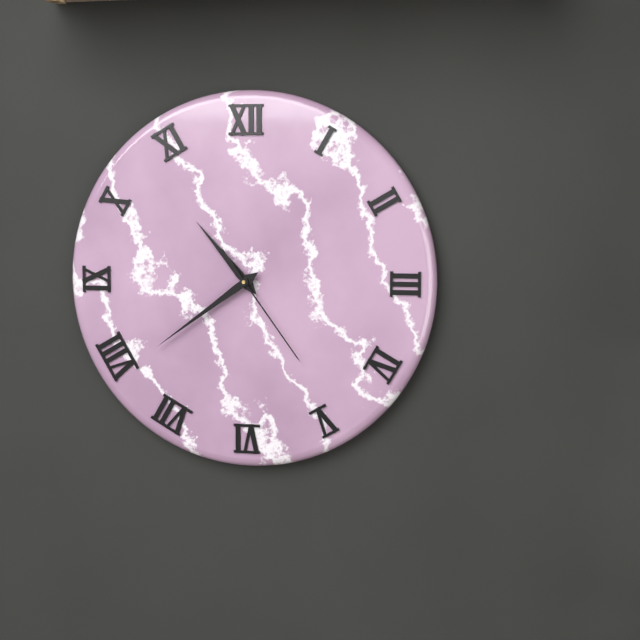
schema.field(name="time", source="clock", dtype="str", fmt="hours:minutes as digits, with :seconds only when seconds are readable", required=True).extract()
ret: 10:39:24
